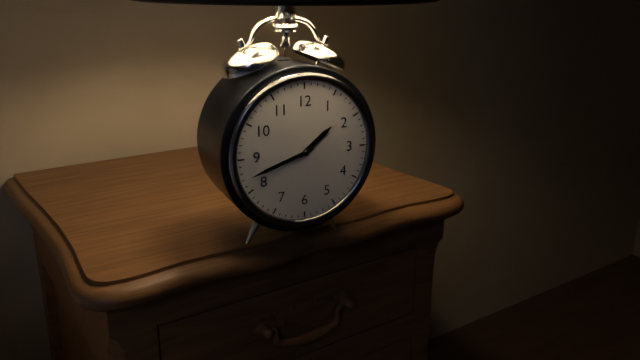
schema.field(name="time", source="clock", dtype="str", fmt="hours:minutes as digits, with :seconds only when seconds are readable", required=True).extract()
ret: 1:42
